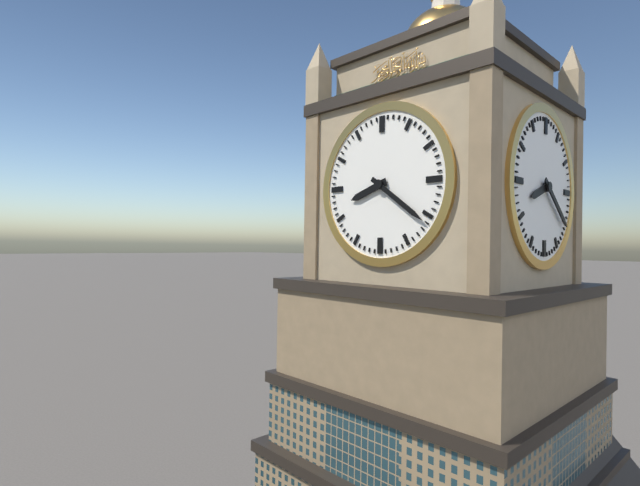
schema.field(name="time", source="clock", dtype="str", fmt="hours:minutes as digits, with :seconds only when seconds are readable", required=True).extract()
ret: 8:21
